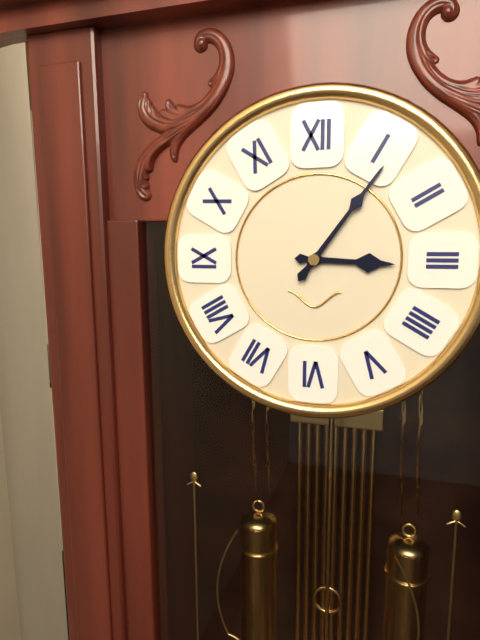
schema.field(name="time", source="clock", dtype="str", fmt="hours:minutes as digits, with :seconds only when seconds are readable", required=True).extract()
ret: 3:06
